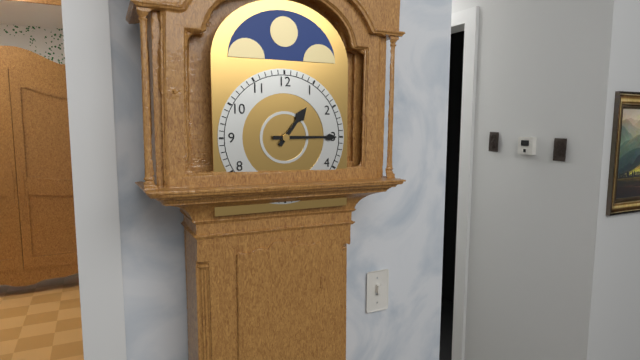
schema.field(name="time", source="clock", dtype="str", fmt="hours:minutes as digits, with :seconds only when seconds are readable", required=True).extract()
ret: 1:15
